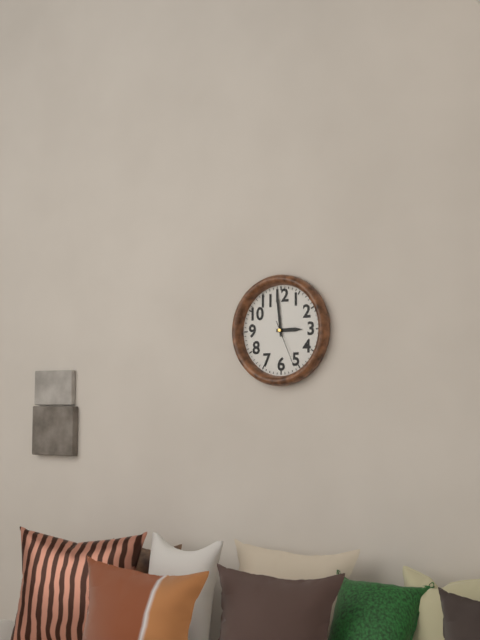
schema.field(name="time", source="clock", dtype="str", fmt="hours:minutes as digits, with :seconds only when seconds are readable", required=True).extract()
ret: 2:59
